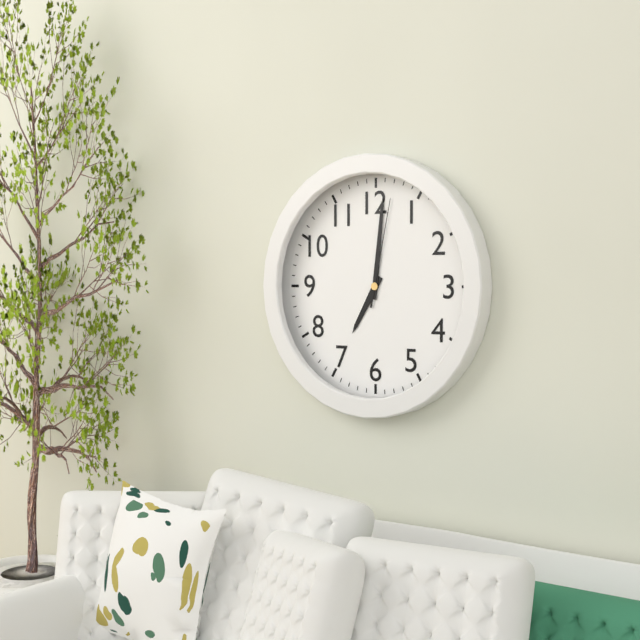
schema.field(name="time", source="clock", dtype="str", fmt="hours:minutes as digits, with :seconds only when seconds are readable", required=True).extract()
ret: 7:01:02
